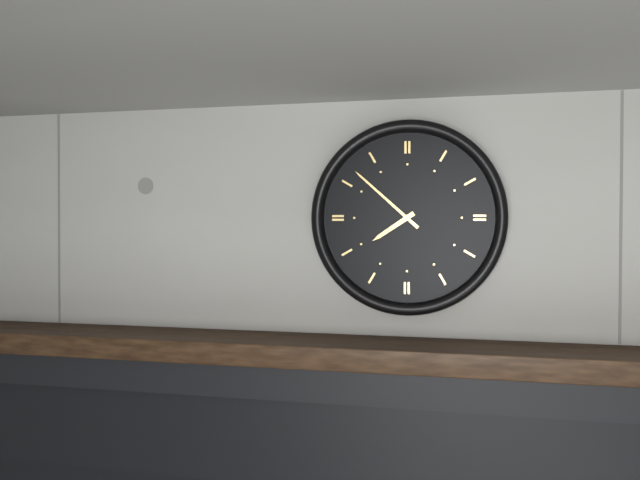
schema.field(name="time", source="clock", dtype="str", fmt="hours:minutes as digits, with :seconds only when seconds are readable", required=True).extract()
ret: 7:52
